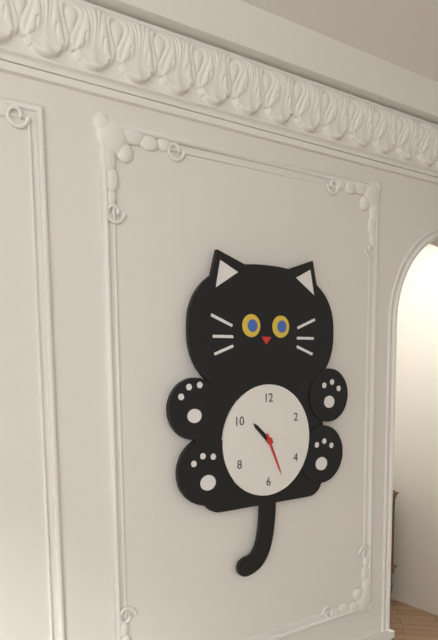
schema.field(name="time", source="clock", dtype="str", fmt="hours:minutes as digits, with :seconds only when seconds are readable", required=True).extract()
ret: 10:26
